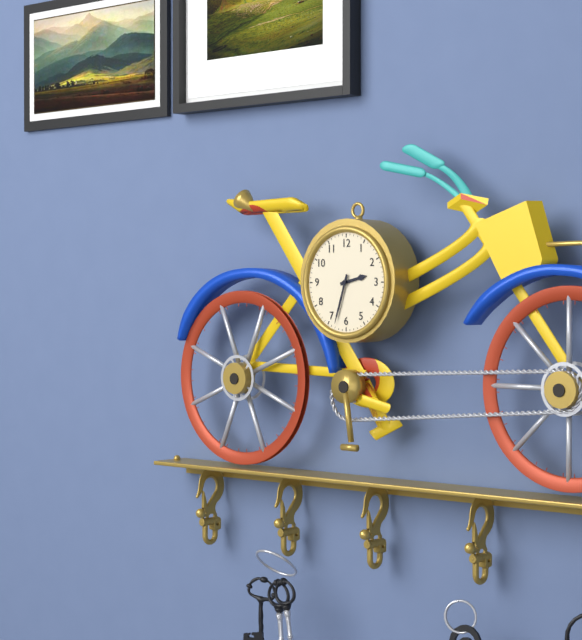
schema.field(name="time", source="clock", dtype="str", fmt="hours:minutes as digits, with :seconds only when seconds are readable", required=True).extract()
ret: 2:33
